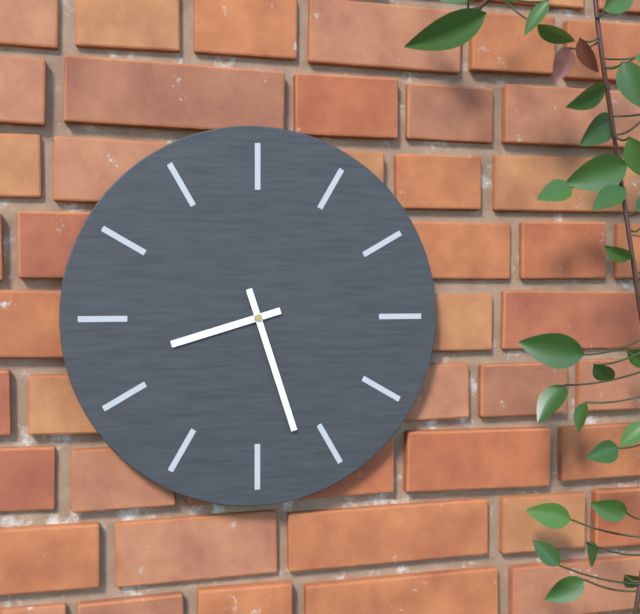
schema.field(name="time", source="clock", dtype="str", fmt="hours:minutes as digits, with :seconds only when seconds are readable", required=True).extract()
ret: 8:27
